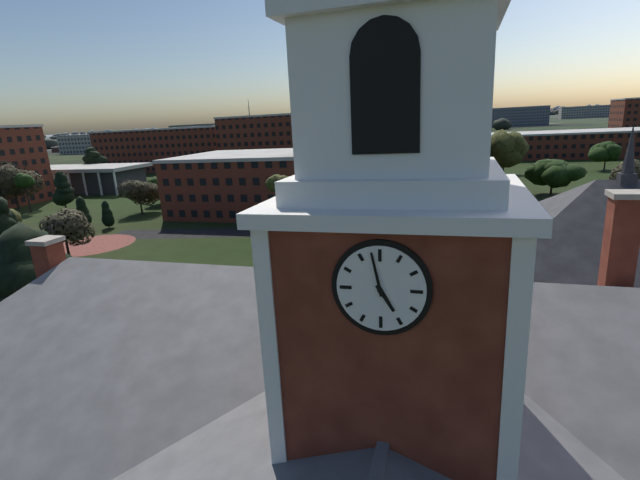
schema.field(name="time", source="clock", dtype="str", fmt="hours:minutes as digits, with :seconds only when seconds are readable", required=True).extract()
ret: 4:58
